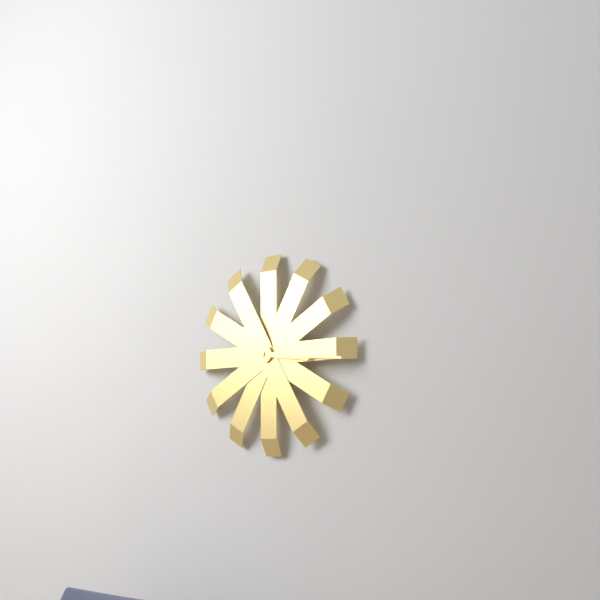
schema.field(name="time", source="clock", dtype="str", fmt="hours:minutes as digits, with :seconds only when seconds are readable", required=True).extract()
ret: 3:16
